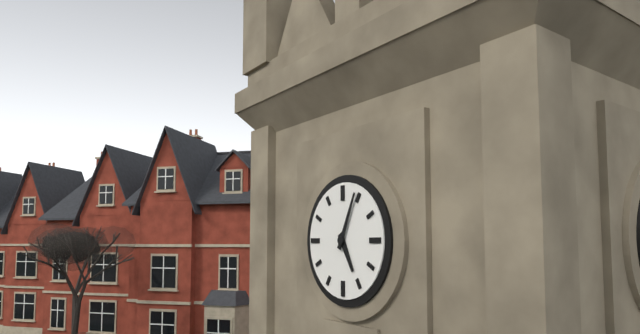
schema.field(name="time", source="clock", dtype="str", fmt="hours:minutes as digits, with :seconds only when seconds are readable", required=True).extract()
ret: 5:04
